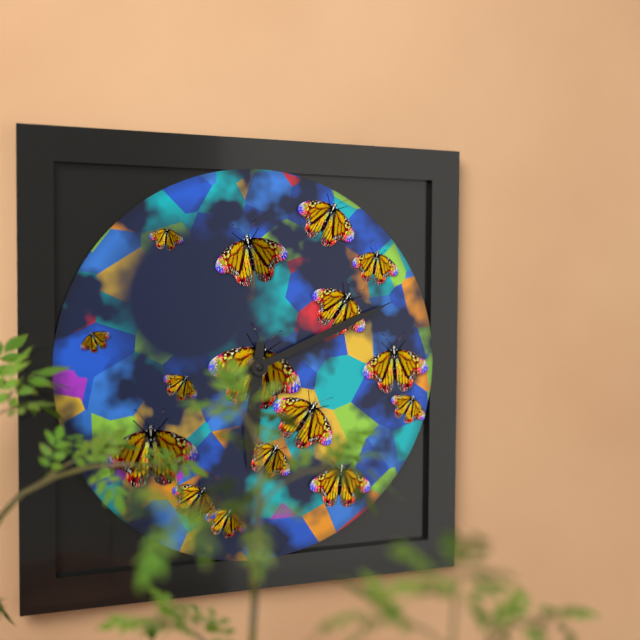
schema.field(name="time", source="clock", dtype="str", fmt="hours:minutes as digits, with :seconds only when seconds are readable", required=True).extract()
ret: 6:11
